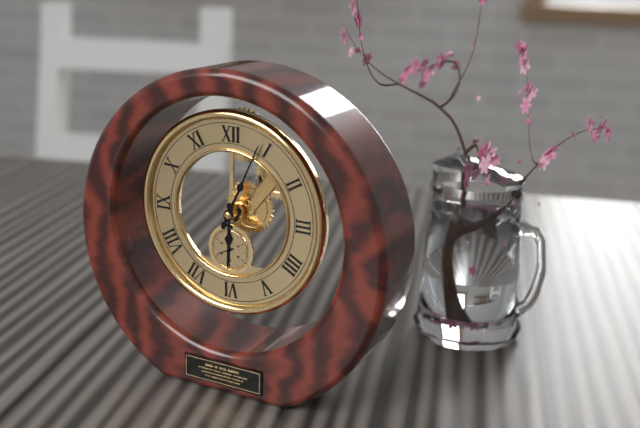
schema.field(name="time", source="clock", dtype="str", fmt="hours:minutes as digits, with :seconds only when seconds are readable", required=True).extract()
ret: 6:04
